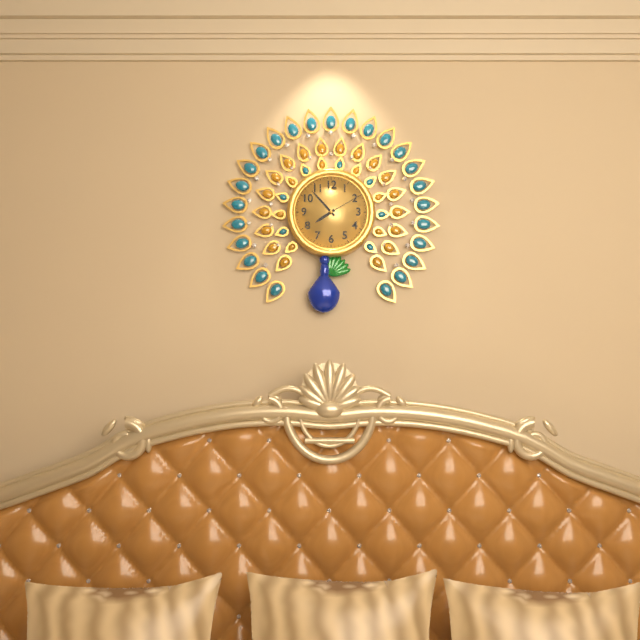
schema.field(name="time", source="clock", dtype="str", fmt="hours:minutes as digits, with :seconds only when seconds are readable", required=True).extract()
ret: 7:53
